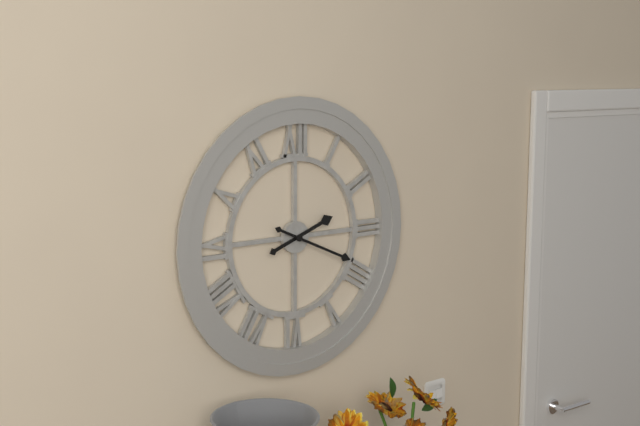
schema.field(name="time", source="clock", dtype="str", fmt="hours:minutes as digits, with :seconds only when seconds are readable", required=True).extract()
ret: 2:19
